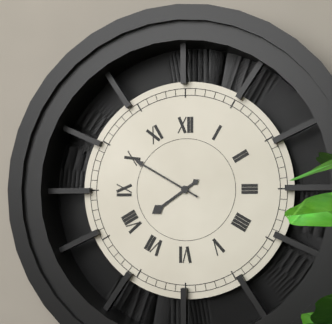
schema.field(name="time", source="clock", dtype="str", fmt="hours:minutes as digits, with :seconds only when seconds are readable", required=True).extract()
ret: 7:50
